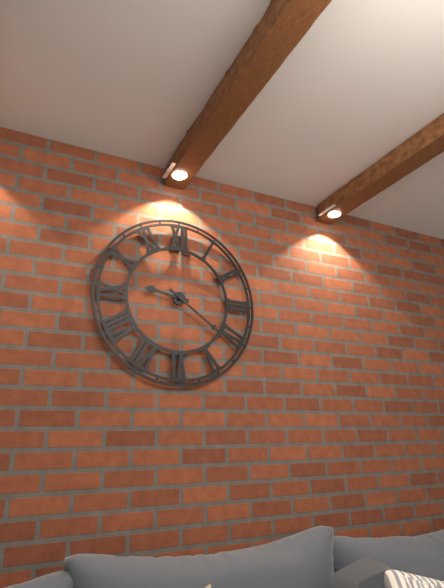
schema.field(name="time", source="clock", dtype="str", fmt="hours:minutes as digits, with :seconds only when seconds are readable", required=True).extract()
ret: 9:21
